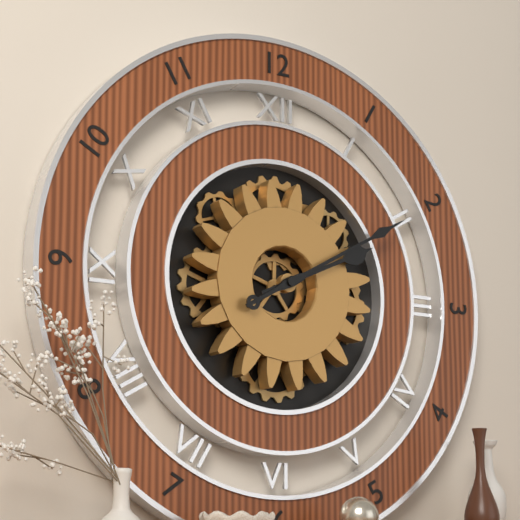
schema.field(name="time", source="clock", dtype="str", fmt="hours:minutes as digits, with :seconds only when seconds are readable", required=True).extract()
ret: 2:10
